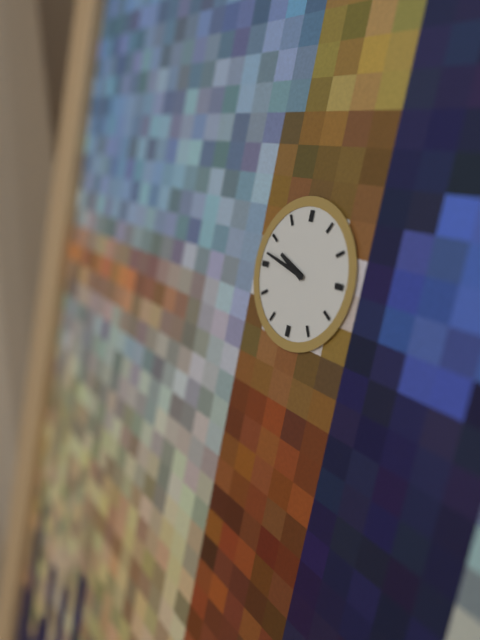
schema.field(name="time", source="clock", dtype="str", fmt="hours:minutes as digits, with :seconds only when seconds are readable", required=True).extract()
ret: 9:47
